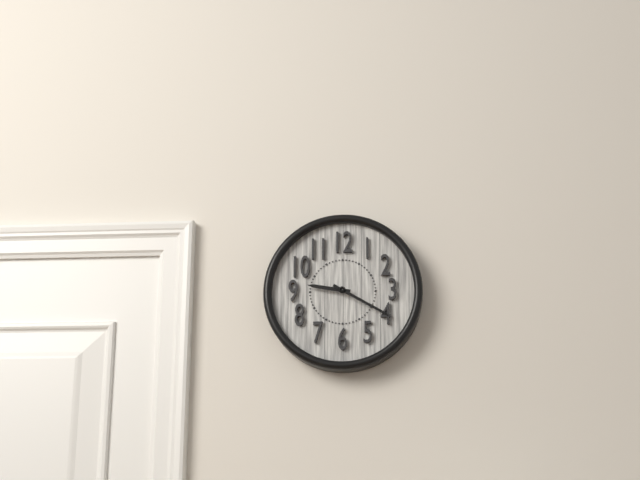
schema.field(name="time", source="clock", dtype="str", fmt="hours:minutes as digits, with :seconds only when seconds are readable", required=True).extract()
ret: 9:20
